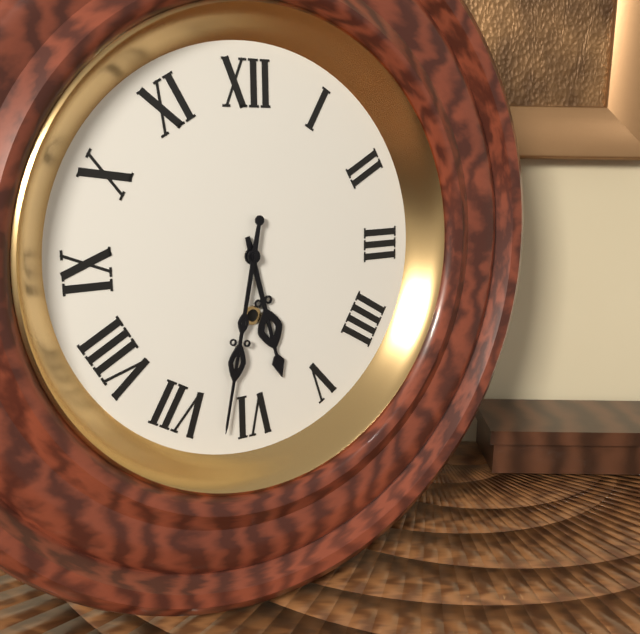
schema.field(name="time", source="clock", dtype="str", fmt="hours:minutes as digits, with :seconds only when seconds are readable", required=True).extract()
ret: 5:32
